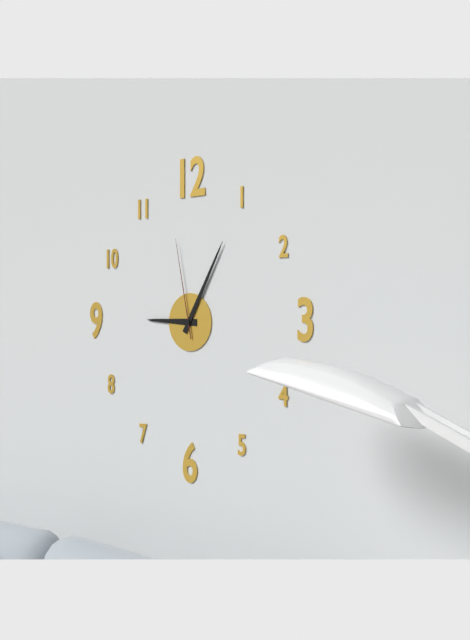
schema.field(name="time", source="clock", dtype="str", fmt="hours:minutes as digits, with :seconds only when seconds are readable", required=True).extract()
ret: 9:05:58
